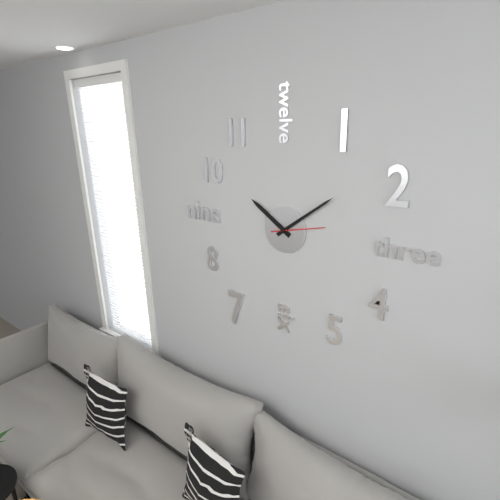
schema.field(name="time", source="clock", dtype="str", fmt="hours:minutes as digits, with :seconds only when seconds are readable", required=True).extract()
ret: 10:09:13
